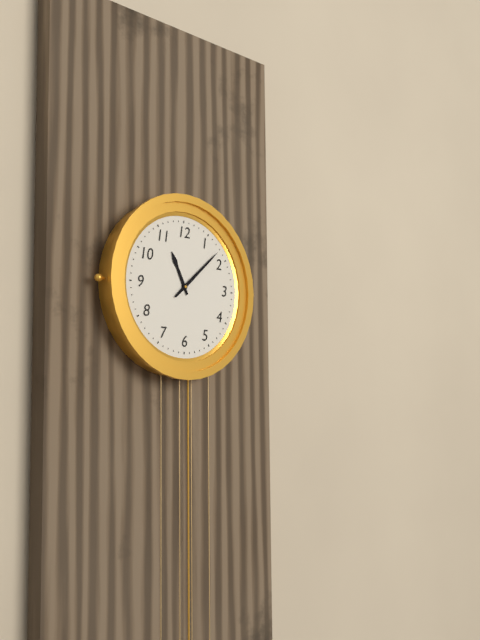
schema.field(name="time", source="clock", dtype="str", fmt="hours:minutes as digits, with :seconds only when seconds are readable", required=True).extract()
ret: 11:08
